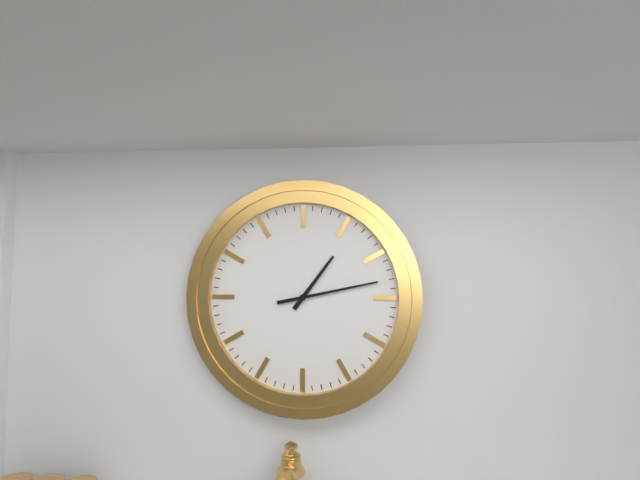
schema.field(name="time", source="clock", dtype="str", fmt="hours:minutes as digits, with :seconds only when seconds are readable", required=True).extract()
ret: 1:13
